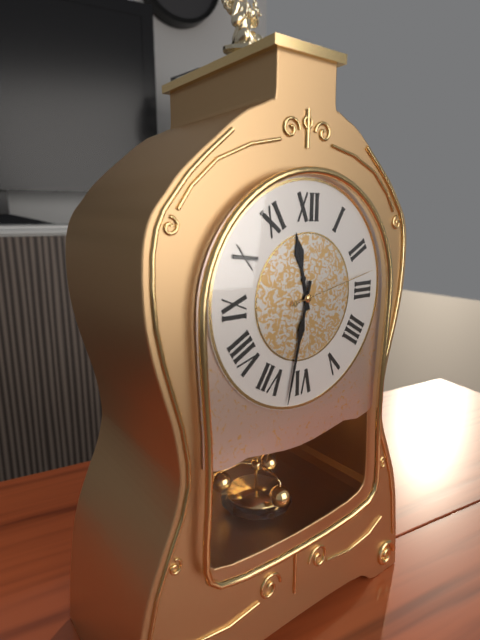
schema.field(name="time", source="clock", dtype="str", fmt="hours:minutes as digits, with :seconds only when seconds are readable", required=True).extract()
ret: 11:32:13
